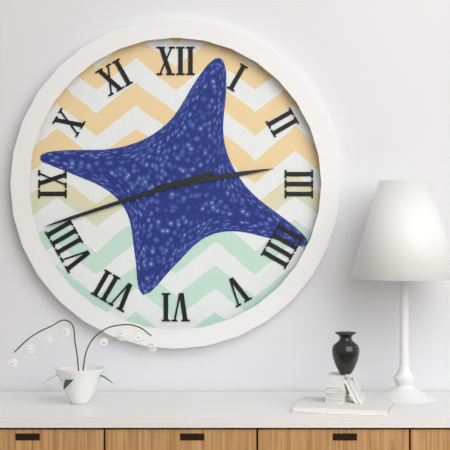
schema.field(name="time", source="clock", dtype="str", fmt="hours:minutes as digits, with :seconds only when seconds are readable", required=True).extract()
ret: 2:42
